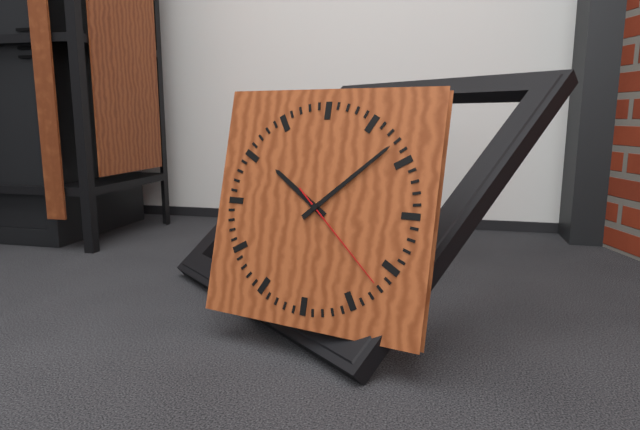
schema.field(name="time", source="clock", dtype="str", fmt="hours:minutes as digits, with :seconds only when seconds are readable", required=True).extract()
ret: 10:08:22
